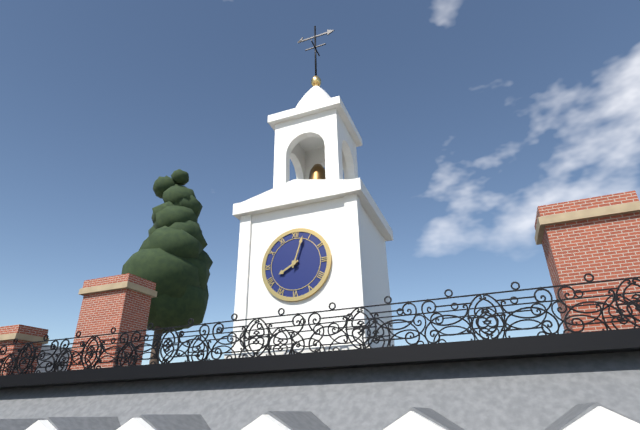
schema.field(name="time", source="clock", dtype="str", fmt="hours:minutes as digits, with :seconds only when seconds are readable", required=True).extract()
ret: 8:03
